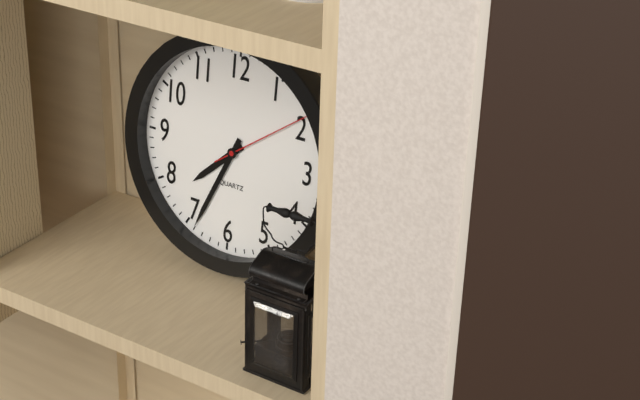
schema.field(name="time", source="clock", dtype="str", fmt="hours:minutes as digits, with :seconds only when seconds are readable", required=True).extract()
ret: 7:34:09
